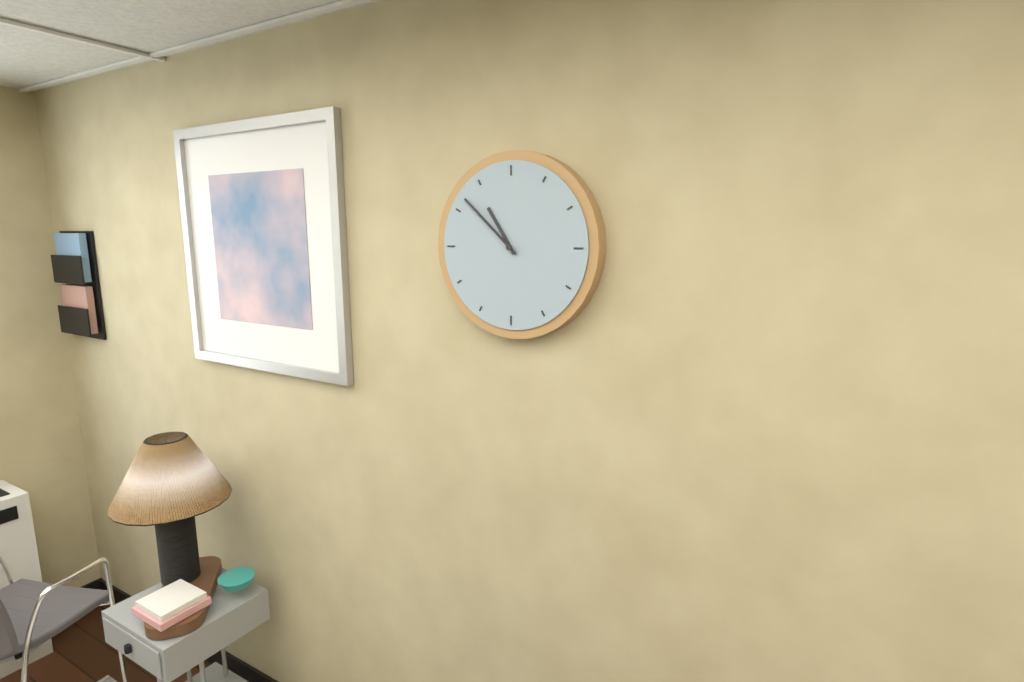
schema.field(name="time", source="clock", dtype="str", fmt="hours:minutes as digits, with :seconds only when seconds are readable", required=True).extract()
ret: 10:52
